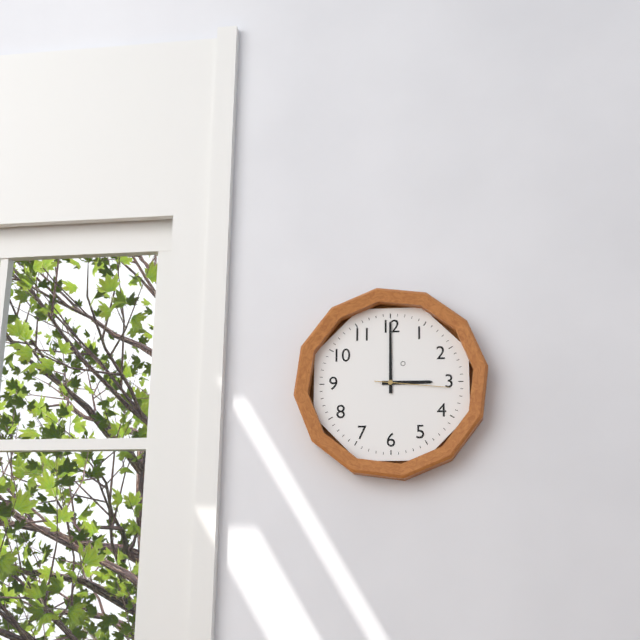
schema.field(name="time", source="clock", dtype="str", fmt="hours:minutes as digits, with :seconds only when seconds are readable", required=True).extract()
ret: 3:00:16
